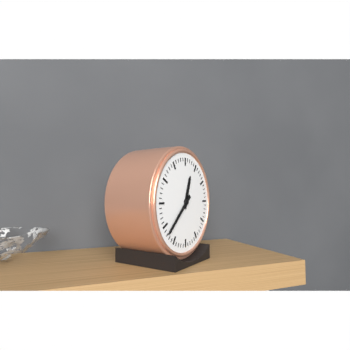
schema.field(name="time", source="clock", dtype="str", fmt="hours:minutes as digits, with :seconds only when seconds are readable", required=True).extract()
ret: 12:38
